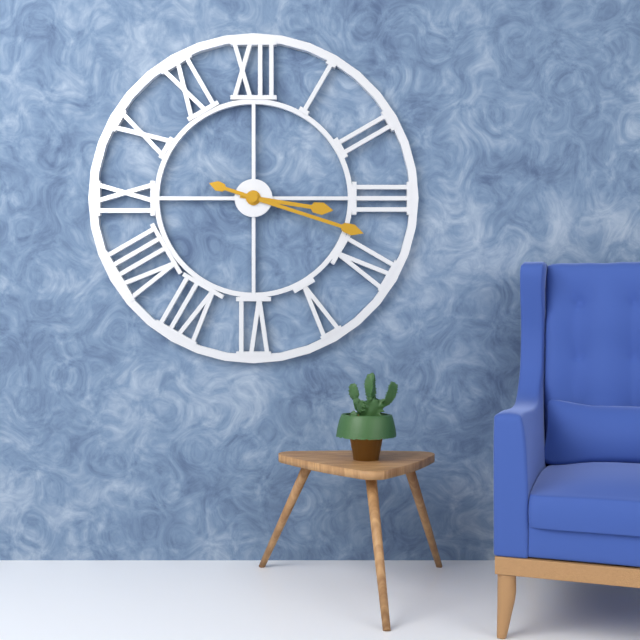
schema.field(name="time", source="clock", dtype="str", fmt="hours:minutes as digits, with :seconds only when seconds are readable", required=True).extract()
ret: 3:18
